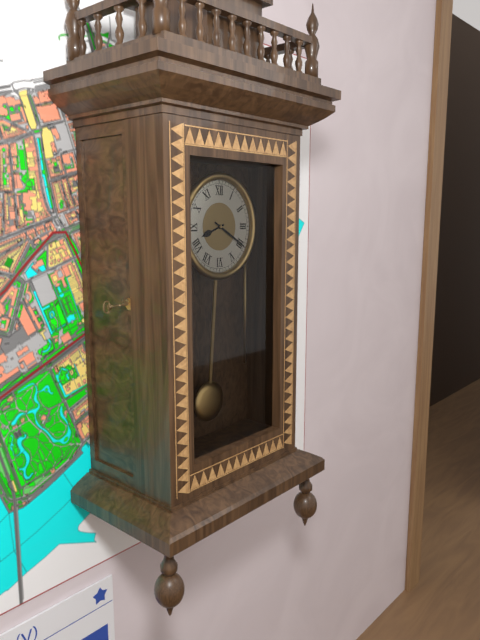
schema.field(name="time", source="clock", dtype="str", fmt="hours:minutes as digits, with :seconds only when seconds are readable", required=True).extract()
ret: 8:20
